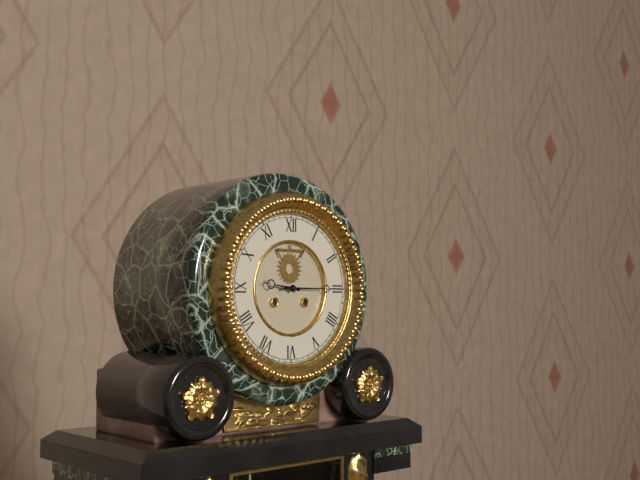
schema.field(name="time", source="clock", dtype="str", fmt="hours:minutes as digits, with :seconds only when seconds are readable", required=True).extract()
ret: 9:15
